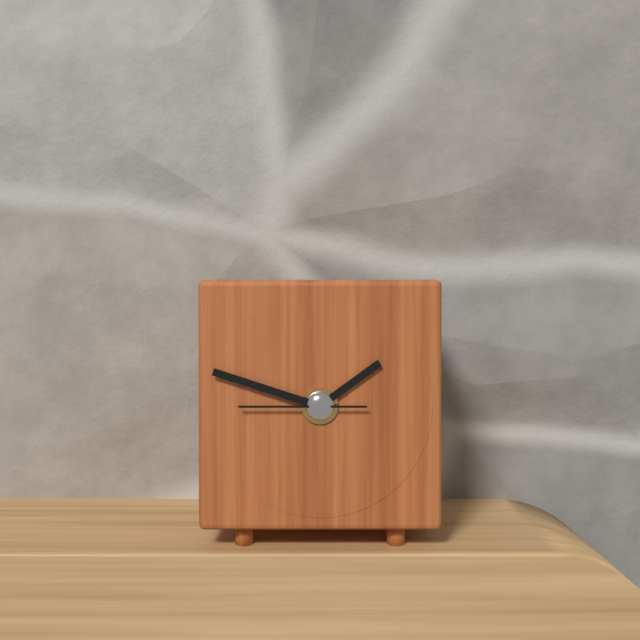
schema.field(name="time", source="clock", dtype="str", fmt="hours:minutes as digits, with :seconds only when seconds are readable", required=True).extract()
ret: 1:48:45
